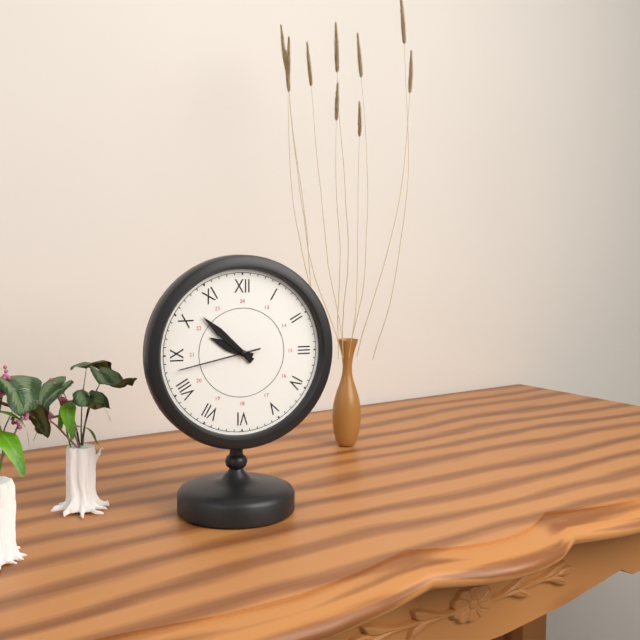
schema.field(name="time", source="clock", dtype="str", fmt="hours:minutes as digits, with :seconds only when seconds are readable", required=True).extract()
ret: 9:52:43
